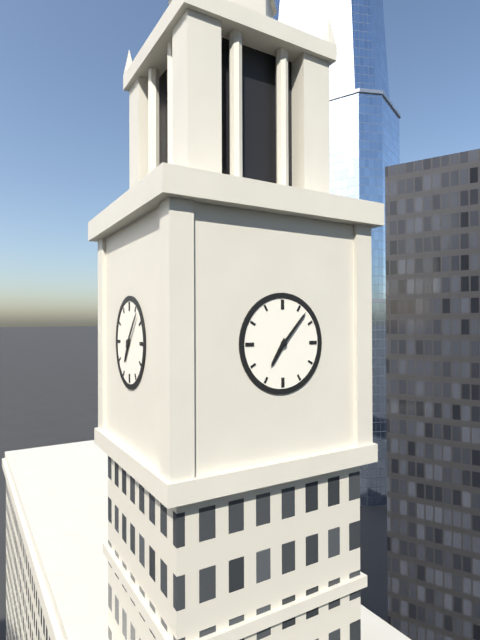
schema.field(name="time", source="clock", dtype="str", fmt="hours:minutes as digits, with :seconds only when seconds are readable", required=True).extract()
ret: 7:07
